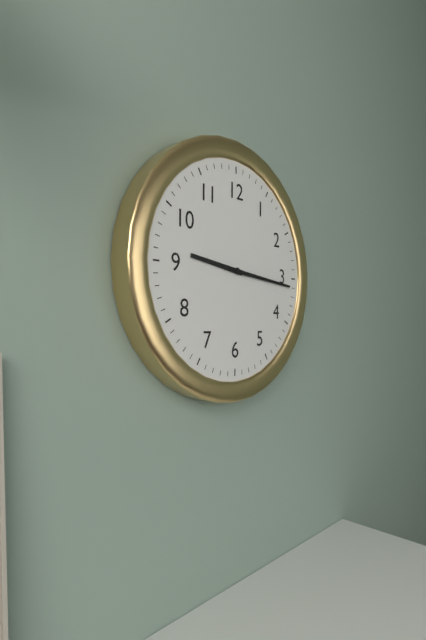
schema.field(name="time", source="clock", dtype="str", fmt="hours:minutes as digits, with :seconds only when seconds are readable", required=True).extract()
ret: 9:16
